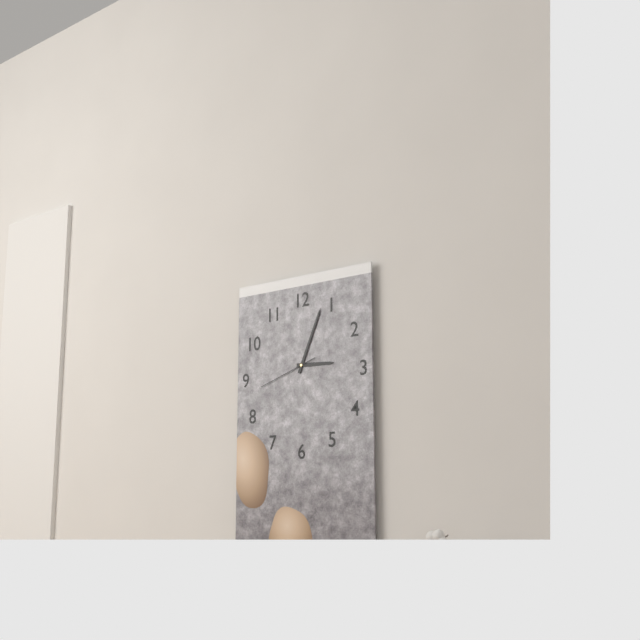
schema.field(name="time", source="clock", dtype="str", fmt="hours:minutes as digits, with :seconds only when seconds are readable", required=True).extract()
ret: 3:04:42
